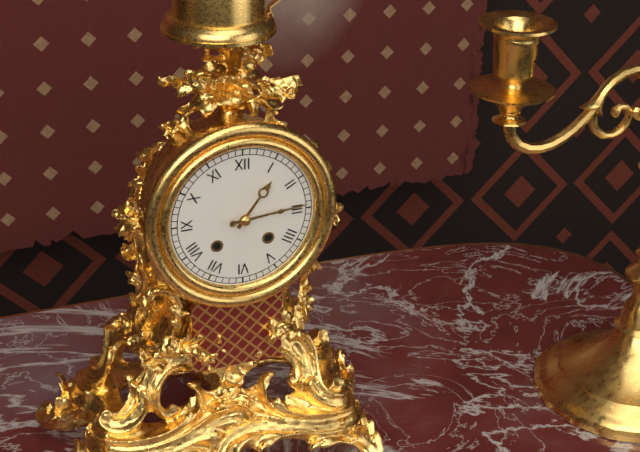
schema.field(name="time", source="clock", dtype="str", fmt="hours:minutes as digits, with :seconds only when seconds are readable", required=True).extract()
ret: 1:14
